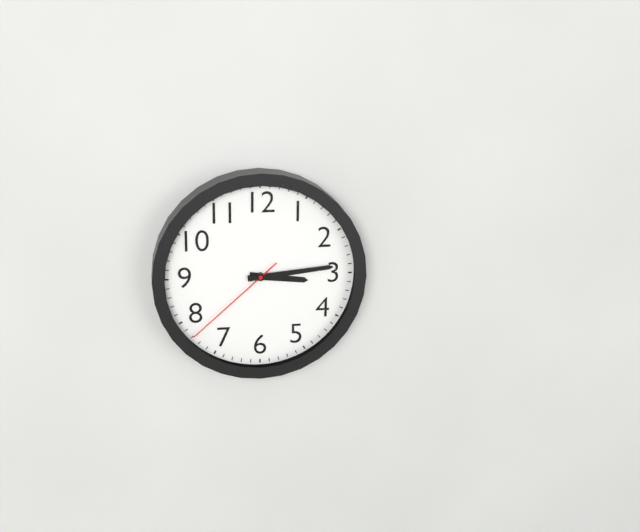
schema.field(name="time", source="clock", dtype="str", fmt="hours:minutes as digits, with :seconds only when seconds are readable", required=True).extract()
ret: 3:14:38
